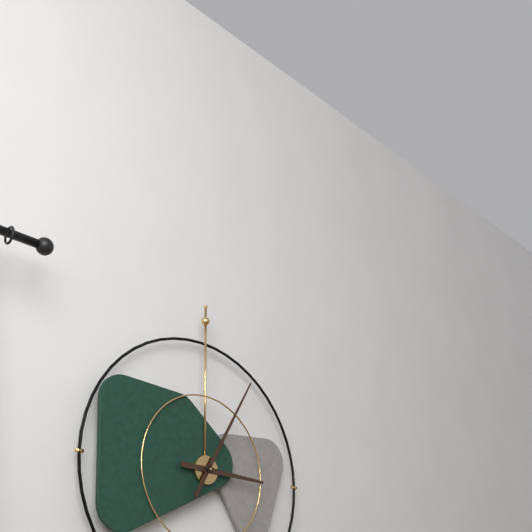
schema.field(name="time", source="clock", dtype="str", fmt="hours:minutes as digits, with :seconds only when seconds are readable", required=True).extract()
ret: 3:05
